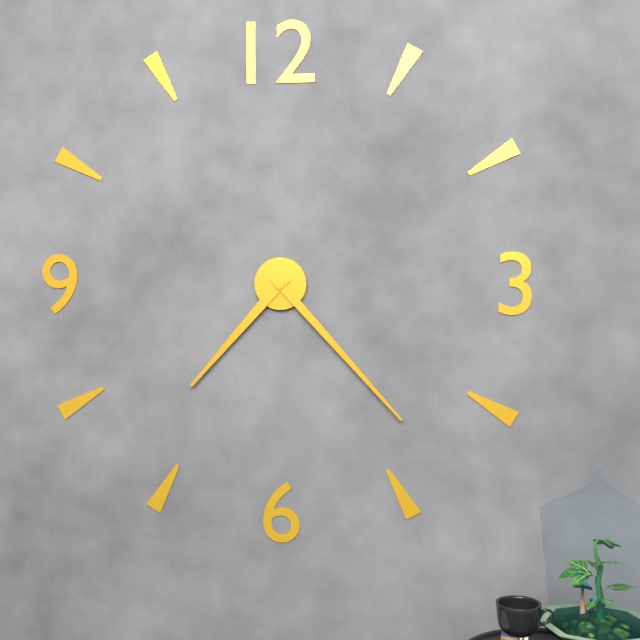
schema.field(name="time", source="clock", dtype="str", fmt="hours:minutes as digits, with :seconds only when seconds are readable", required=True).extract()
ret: 7:23
